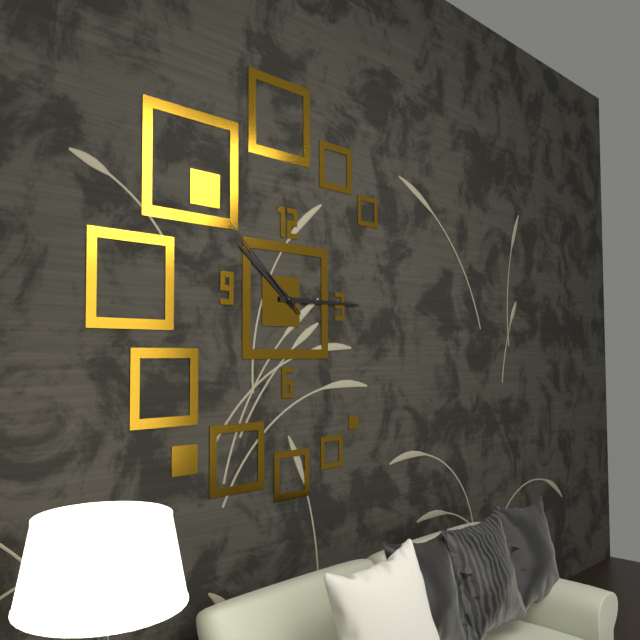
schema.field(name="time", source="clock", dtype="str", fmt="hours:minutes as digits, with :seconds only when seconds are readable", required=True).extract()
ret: 10:15:52
